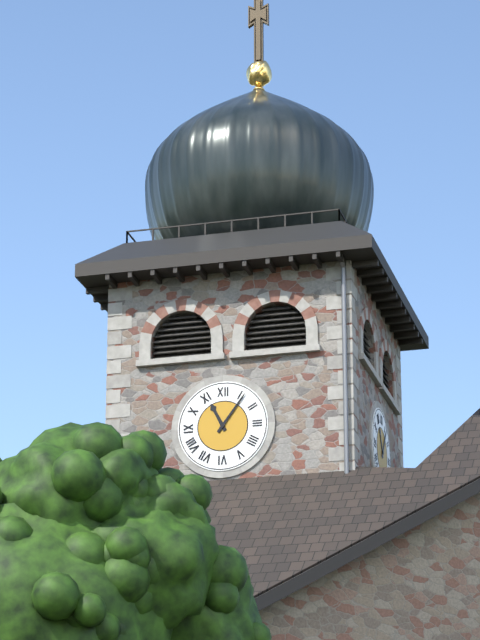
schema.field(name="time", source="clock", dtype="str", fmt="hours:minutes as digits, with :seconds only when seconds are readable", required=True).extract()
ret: 11:06
